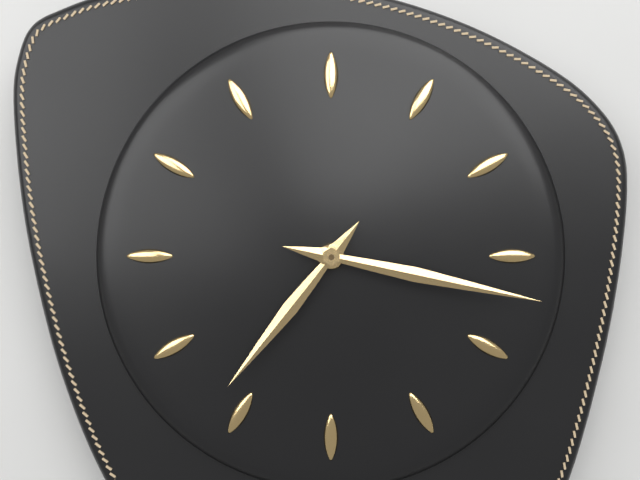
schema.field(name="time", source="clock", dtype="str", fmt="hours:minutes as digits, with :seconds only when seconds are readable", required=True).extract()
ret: 7:17
